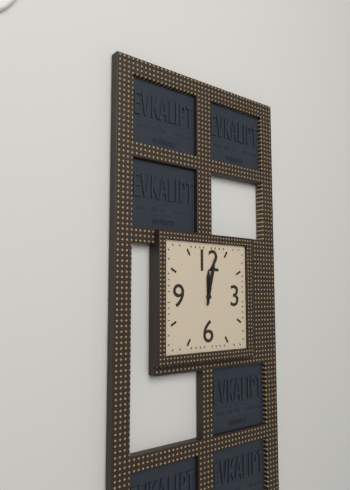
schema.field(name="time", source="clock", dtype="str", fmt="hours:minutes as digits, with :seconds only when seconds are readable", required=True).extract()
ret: 12:02
